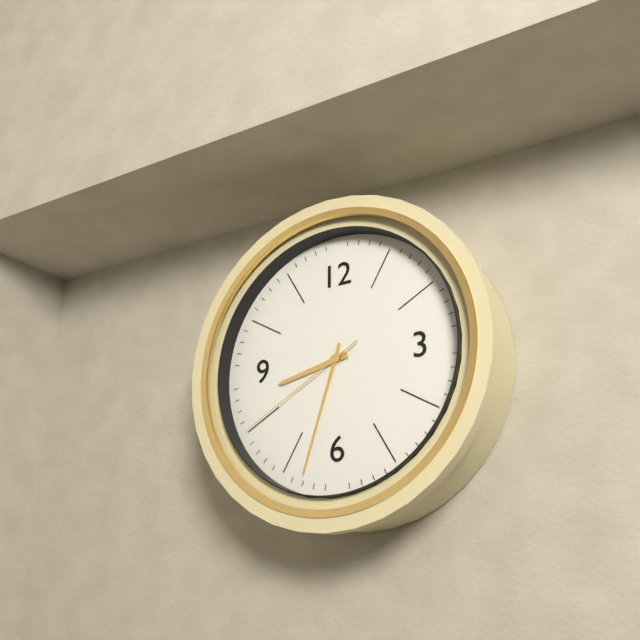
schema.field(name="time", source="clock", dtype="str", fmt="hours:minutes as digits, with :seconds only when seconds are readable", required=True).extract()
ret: 8:33:40
